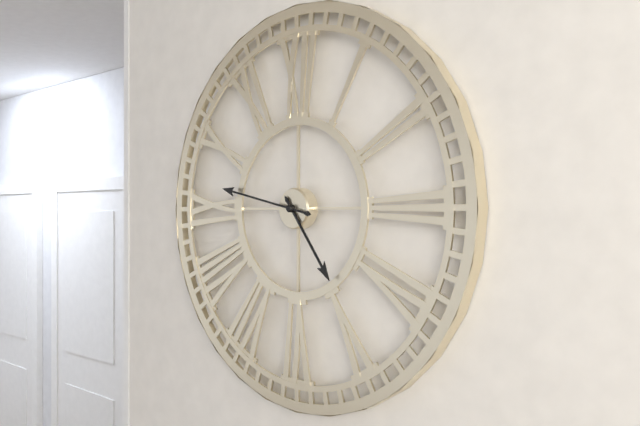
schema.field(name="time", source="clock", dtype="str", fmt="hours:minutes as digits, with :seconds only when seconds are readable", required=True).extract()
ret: 4:47
